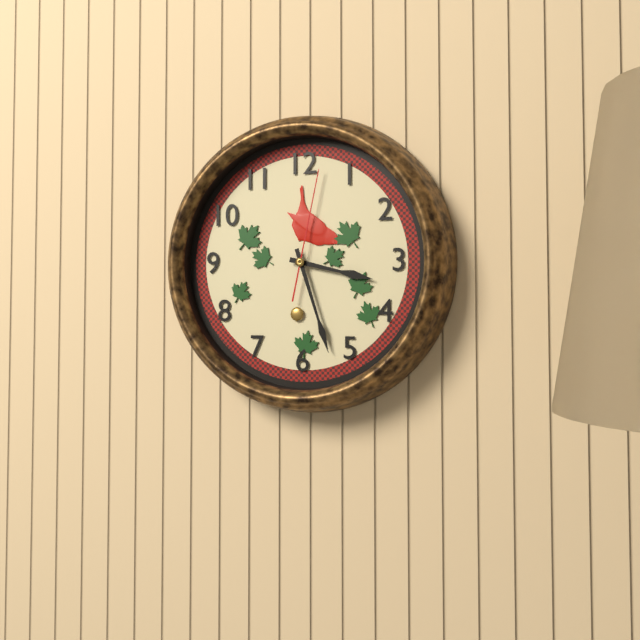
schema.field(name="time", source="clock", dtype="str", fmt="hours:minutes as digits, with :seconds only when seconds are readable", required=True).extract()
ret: 3:27:02
